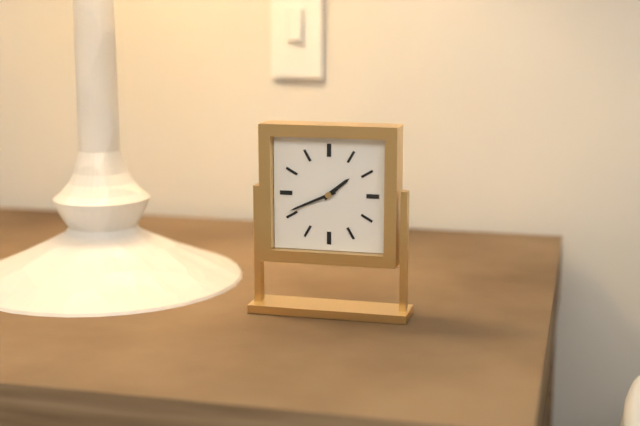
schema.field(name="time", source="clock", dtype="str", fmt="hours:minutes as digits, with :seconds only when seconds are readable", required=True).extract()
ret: 1:41
